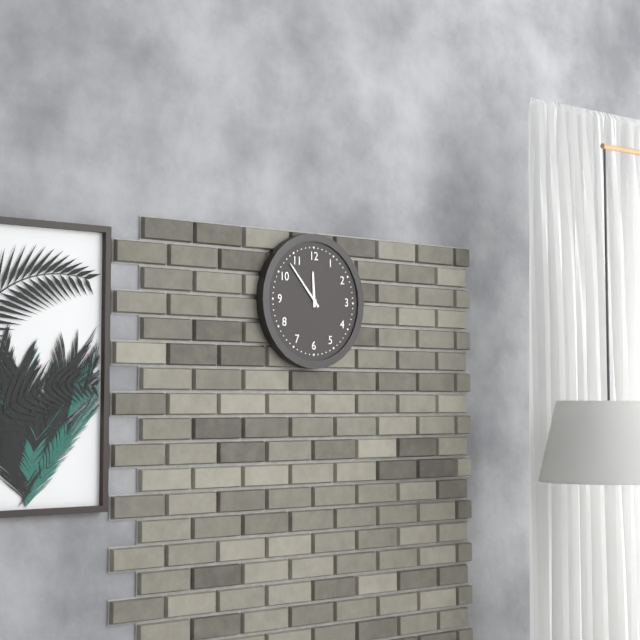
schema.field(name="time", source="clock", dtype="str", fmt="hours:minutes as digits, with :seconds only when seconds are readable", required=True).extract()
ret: 11:53
